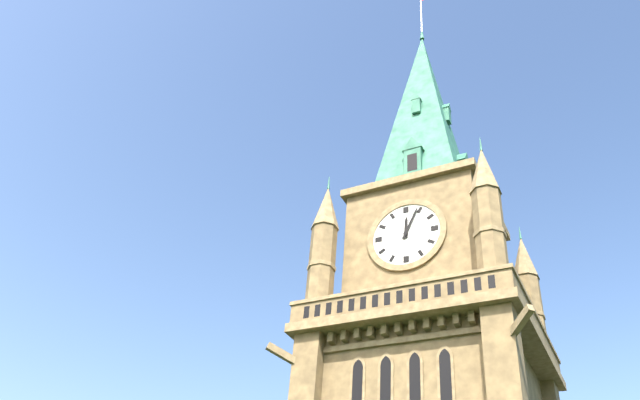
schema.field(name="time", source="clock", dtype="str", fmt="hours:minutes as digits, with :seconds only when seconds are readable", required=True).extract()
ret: 12:04
